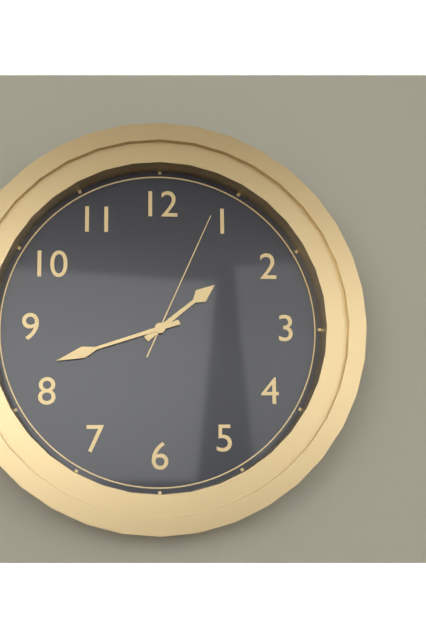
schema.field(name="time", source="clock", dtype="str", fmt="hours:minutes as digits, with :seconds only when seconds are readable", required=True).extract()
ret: 1:42:04
